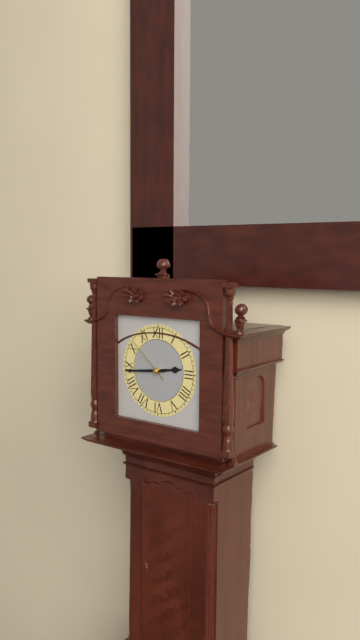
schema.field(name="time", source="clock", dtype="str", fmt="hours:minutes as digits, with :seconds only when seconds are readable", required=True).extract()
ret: 2:44
